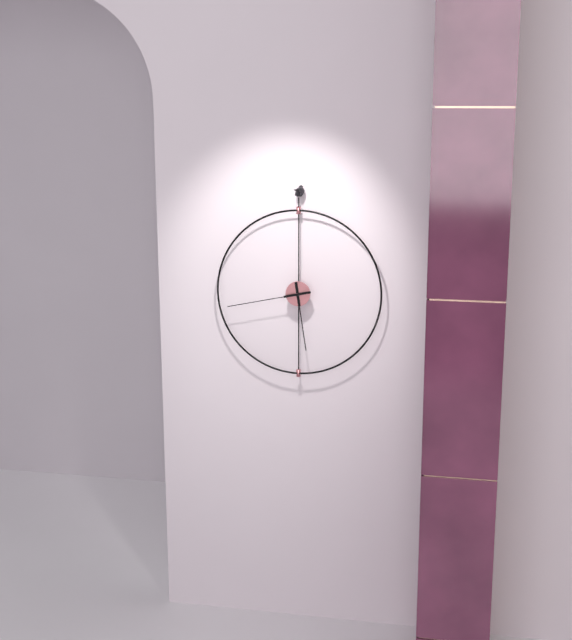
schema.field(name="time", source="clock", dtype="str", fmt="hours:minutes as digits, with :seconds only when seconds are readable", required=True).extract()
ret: 5:43
